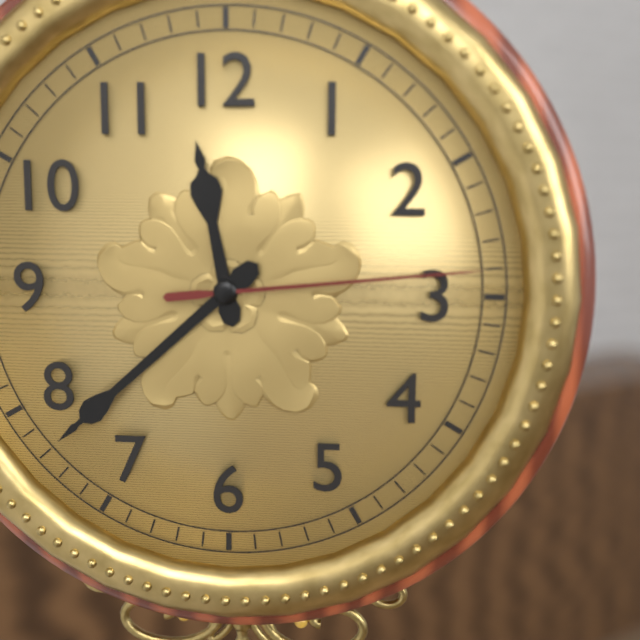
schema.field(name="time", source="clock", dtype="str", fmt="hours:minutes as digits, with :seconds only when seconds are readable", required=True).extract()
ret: 11:38:14
